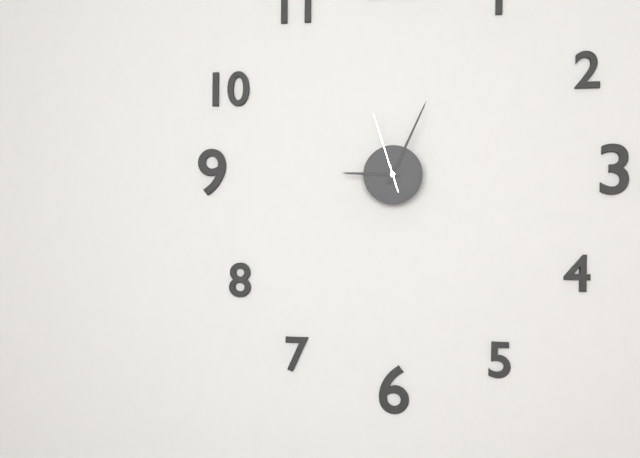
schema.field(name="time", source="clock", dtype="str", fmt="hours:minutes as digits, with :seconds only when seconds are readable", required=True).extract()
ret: 9:04:57
